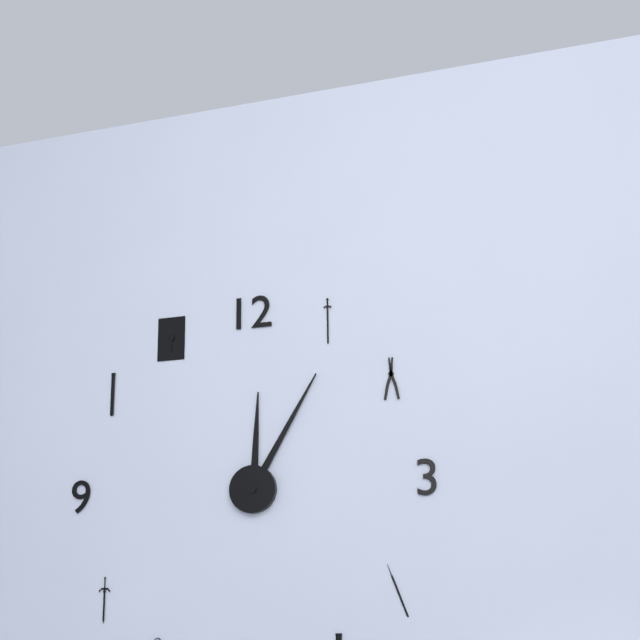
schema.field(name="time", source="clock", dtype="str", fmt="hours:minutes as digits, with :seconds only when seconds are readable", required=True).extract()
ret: 12:05
